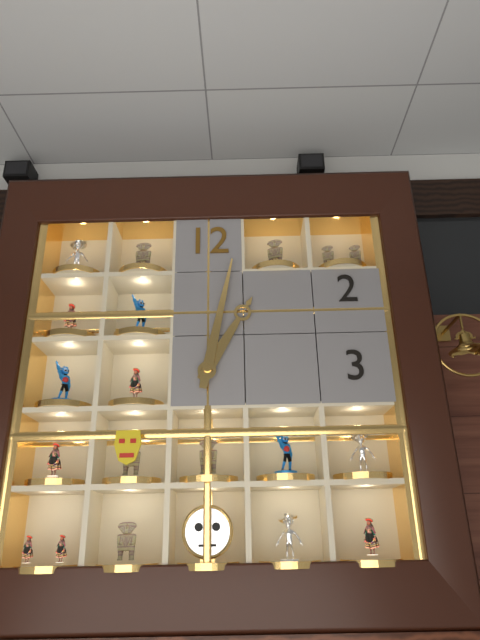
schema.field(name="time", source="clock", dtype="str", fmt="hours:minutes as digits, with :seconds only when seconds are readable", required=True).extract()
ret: 1:02
